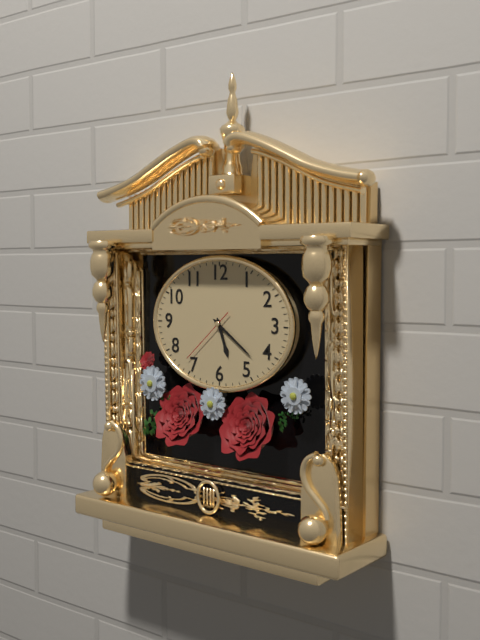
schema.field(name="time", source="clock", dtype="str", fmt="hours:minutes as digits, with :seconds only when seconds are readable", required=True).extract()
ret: 5:21:38
